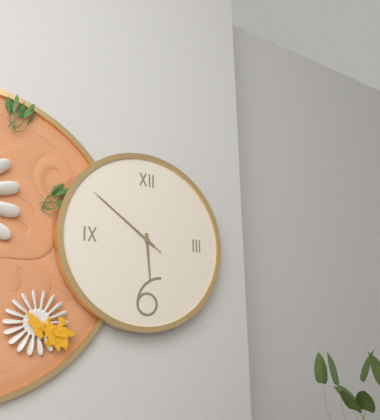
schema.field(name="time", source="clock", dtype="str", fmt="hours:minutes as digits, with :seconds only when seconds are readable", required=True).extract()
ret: 5:51:51
